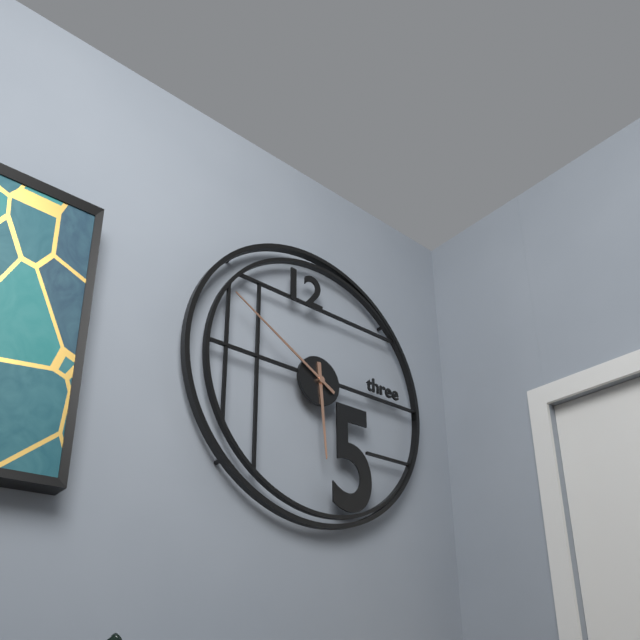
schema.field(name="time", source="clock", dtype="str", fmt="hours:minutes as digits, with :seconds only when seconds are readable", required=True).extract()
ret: 5:50
